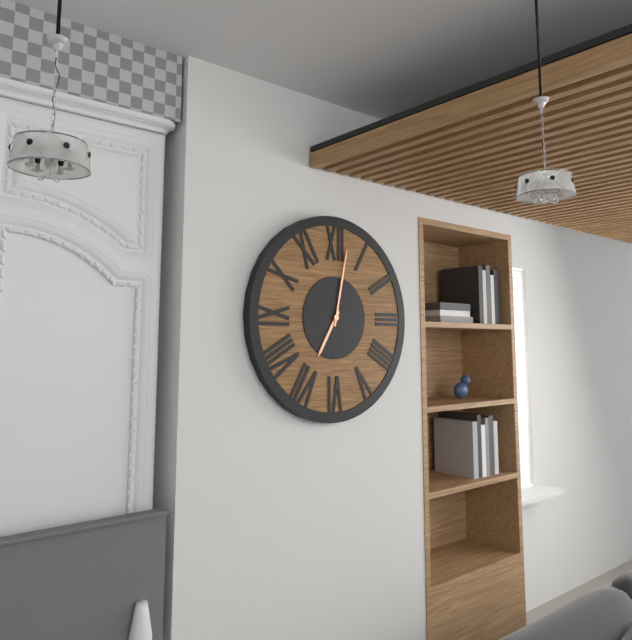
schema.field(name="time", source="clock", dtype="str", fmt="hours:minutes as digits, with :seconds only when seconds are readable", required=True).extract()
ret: 7:02
